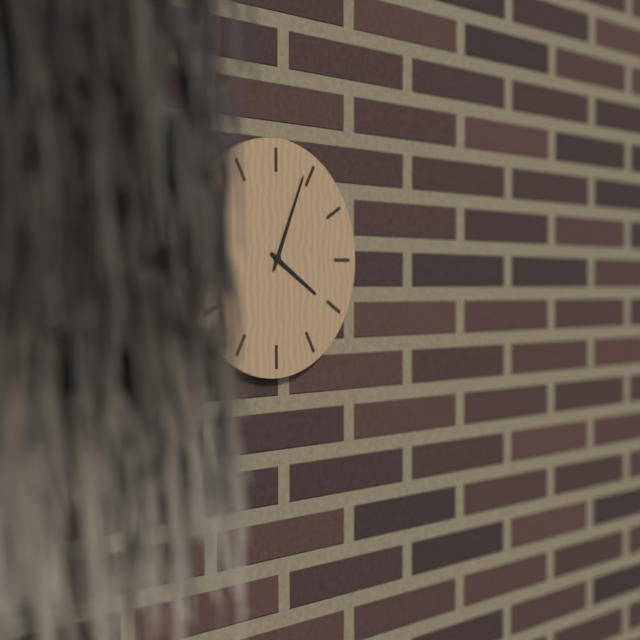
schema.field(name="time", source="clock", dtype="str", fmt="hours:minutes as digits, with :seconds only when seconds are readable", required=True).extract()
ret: 4:04
